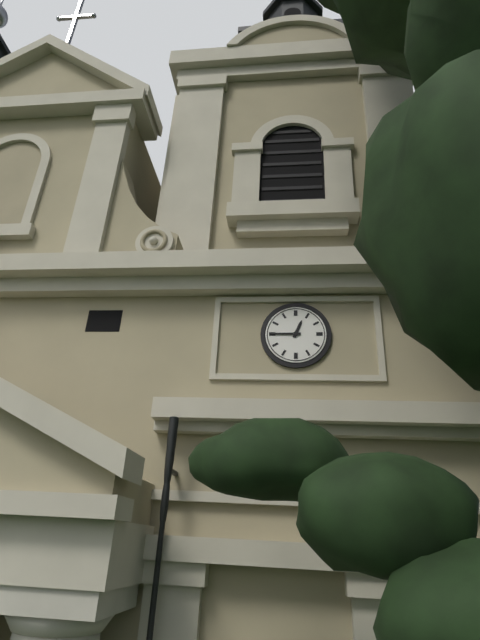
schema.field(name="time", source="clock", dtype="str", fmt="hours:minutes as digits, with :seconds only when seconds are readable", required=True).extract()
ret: 12:45
